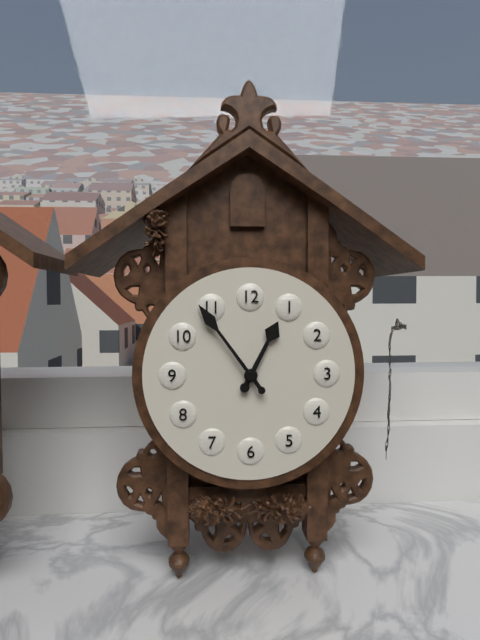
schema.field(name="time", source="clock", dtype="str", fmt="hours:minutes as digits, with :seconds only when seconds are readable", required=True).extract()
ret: 12:54
